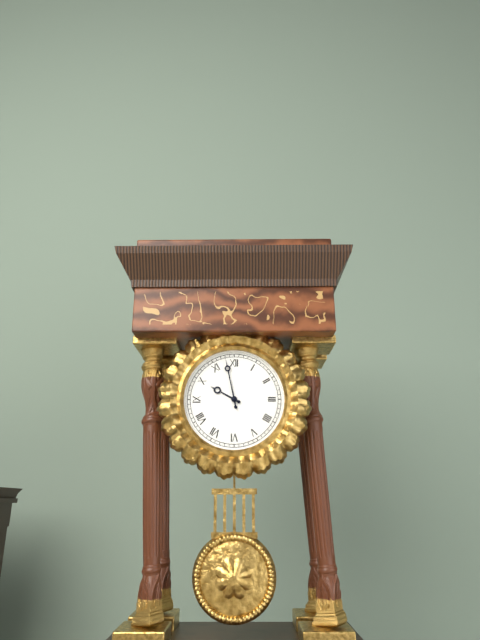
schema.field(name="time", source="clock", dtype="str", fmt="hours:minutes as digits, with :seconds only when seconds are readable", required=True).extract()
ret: 9:58
